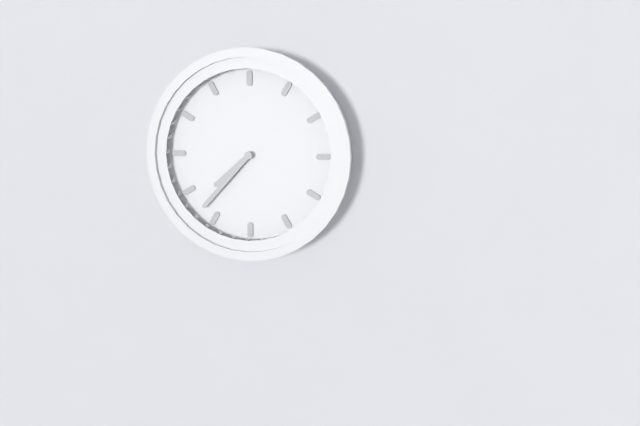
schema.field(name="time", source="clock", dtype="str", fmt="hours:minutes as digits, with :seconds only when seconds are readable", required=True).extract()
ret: 7:37
